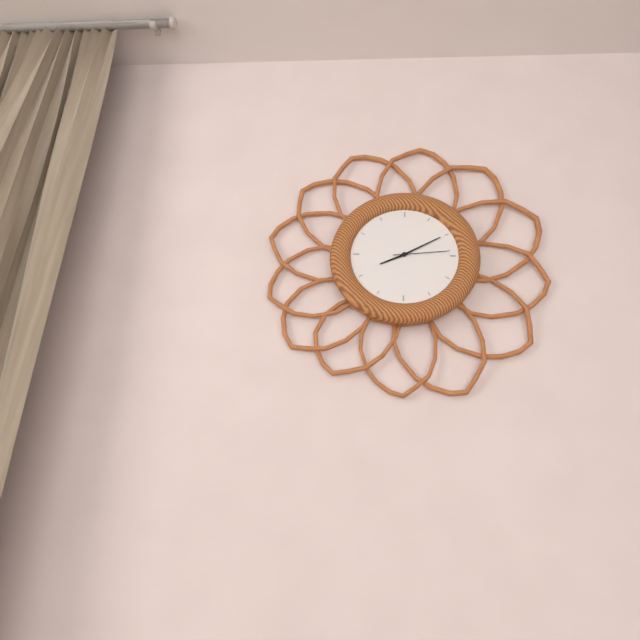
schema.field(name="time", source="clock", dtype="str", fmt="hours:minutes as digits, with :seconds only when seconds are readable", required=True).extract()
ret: 8:10:14
